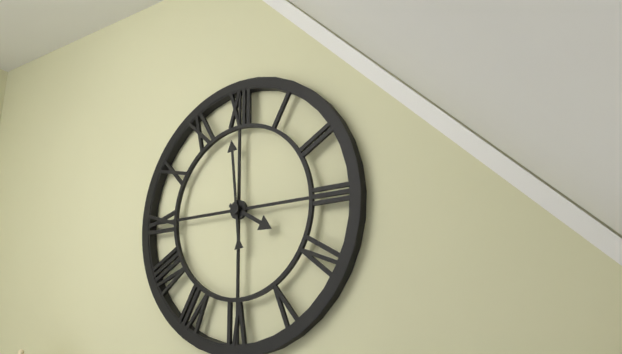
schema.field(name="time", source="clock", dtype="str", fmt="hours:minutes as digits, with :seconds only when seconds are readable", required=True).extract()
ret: 3:59
